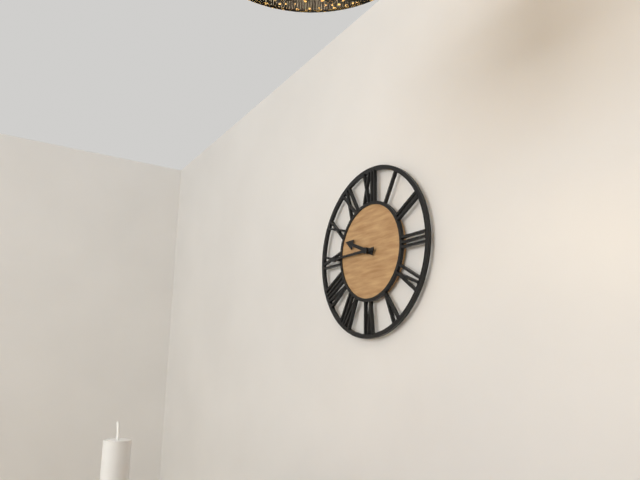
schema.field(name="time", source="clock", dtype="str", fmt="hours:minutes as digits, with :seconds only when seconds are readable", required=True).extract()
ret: 9:45
